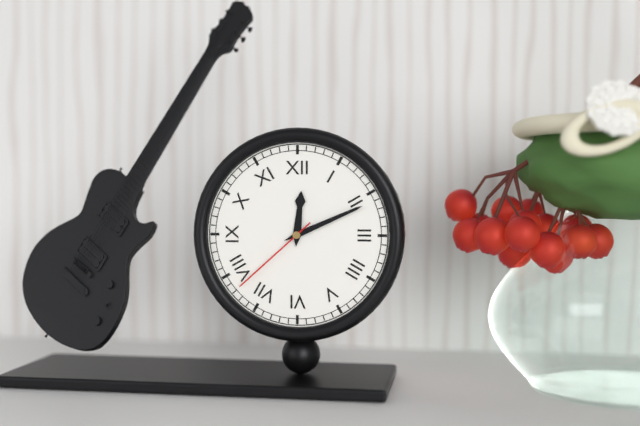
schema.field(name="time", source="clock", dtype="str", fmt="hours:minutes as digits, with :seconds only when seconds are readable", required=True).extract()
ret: 12:11:38
